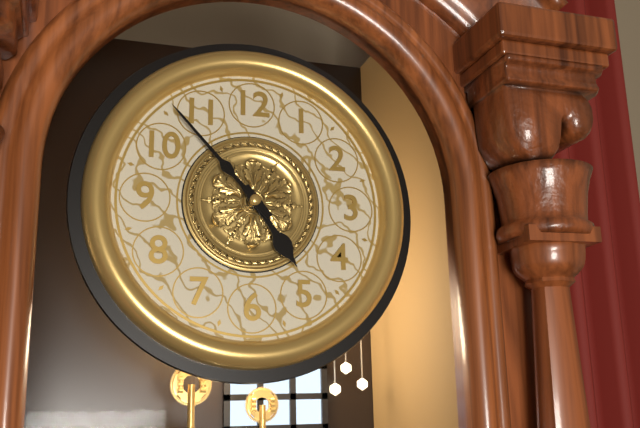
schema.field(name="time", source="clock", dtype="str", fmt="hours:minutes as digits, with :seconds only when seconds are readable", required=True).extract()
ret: 4:53
